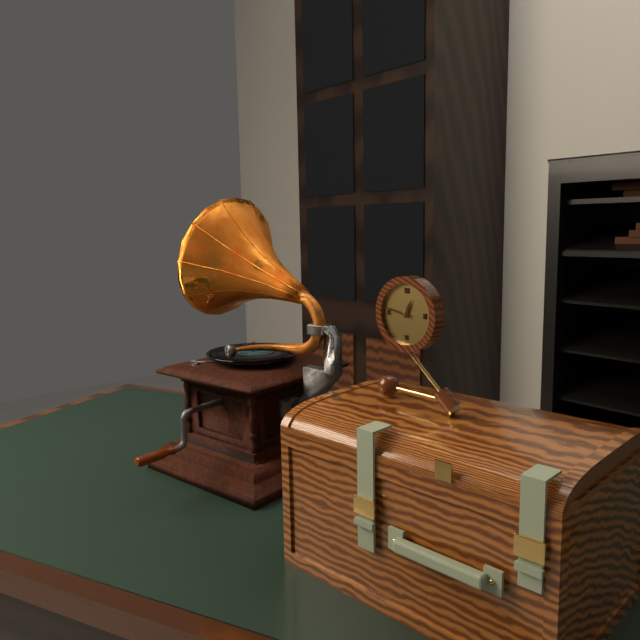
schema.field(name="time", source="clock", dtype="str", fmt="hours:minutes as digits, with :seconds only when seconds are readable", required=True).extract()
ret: 12:47
